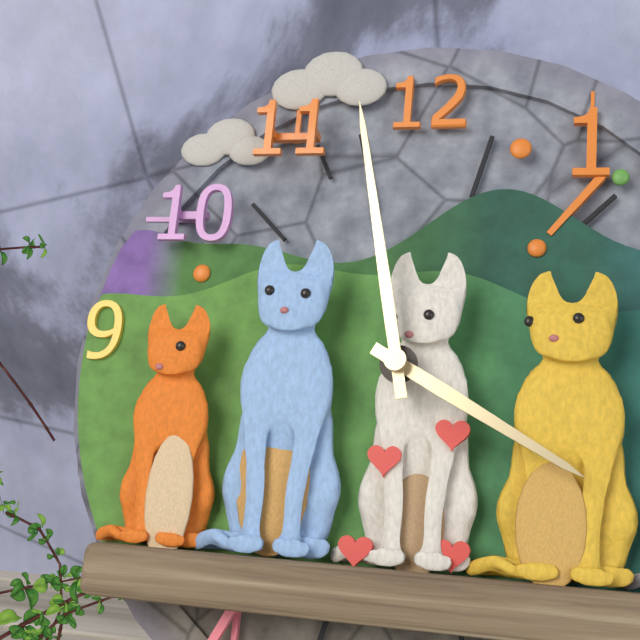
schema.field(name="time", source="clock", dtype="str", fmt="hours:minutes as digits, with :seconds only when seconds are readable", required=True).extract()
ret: 3:58
